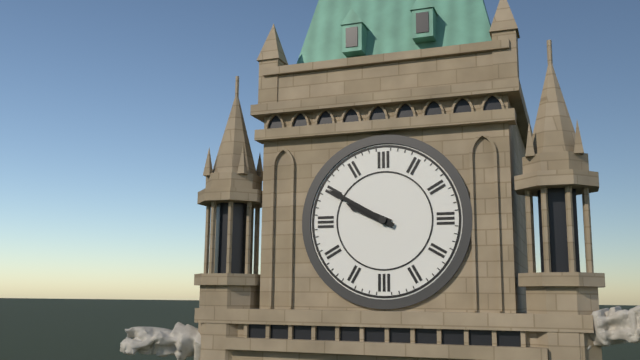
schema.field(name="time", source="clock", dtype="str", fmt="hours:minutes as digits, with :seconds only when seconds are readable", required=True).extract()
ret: 9:50
